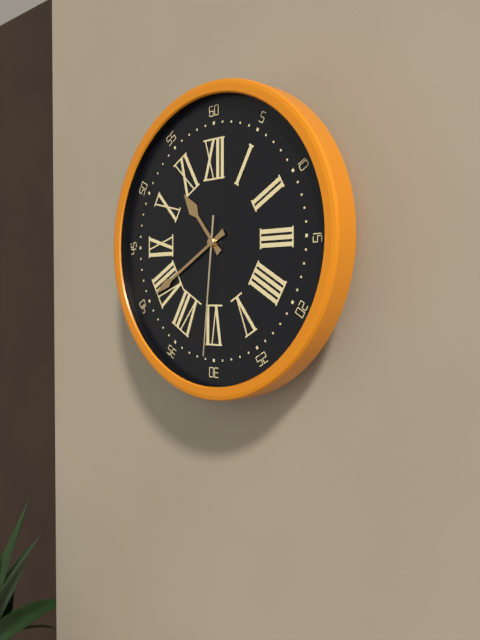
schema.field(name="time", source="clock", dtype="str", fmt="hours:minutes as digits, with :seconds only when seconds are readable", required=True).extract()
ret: 10:40:31
